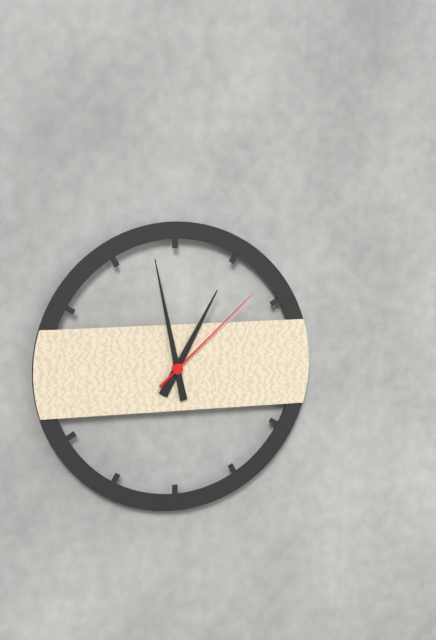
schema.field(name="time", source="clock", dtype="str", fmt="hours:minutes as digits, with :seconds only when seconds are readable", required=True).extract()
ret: 12:58:08
